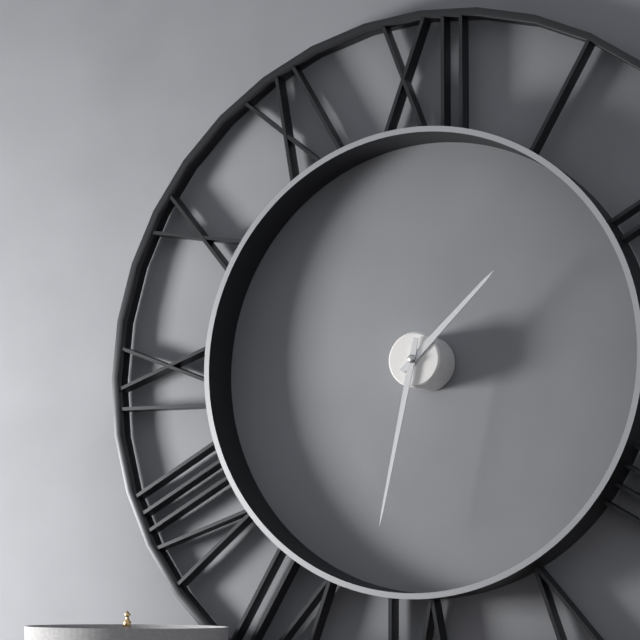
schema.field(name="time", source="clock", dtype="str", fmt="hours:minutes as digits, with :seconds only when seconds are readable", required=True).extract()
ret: 1:32
